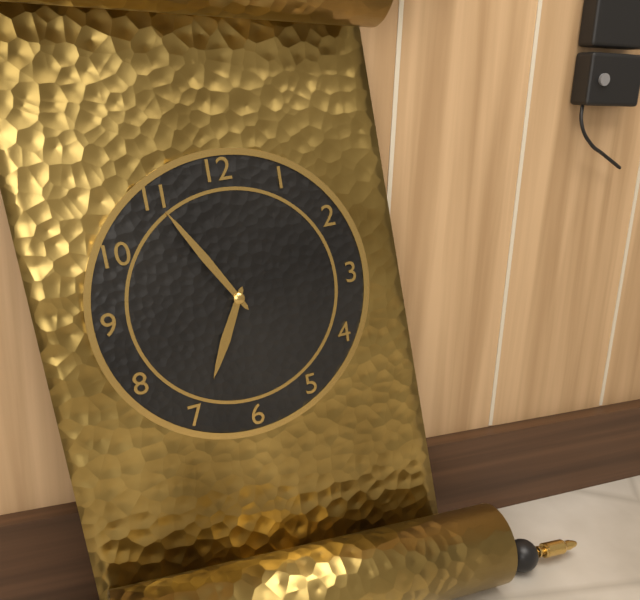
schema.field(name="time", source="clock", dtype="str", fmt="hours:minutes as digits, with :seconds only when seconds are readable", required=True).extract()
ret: 6:55
